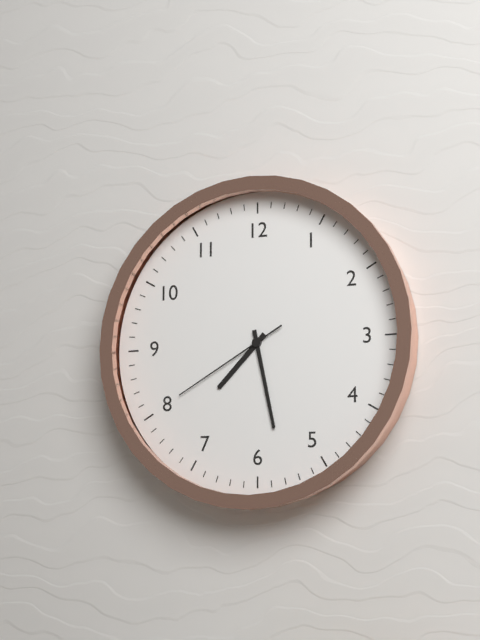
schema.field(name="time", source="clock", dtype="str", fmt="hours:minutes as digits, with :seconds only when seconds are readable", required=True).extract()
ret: 7:28:40
